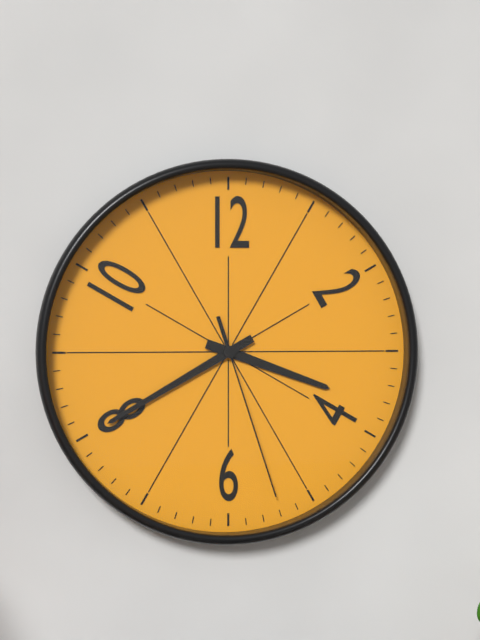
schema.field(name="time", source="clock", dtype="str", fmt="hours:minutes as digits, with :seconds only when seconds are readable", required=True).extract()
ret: 3:40:27
